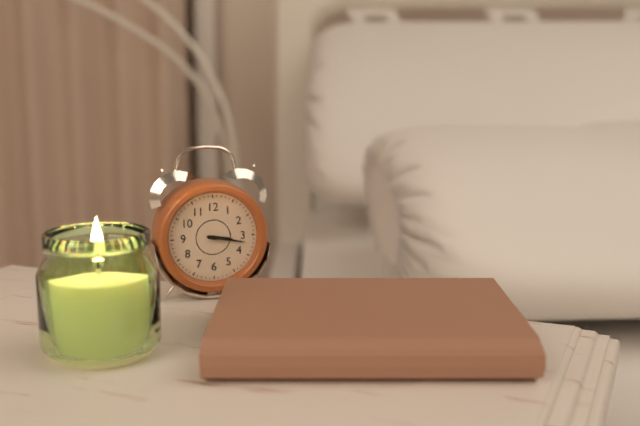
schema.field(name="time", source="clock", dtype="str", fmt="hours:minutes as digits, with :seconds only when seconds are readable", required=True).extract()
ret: 3:17
